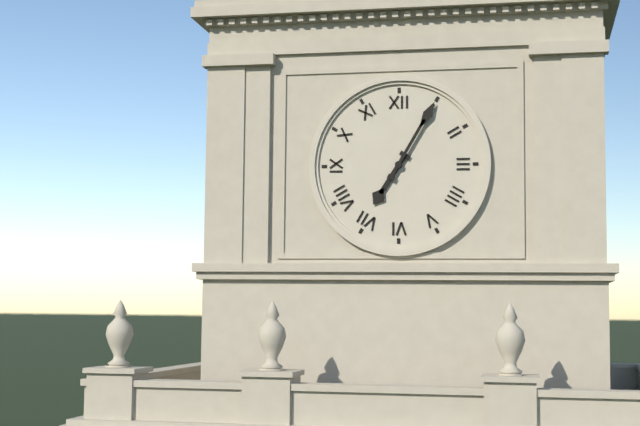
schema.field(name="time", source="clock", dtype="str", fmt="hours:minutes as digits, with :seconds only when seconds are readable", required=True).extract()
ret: 7:05
